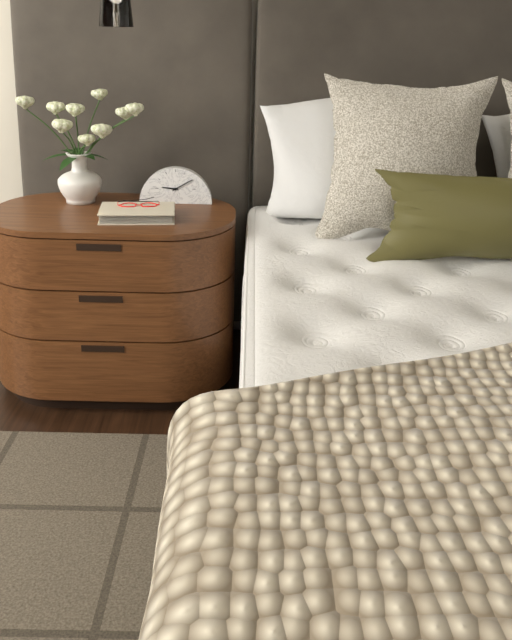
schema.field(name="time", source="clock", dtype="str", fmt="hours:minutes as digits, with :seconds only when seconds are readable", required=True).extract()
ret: 9:10
